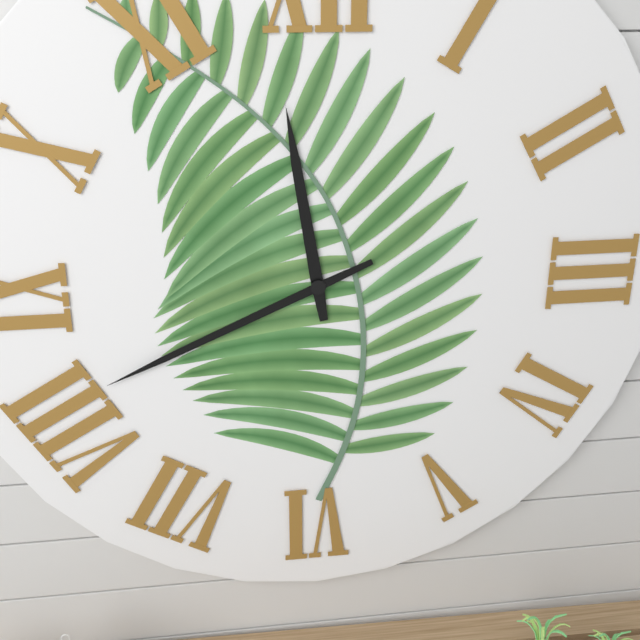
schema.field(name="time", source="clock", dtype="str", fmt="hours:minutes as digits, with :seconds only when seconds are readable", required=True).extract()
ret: 11:41
